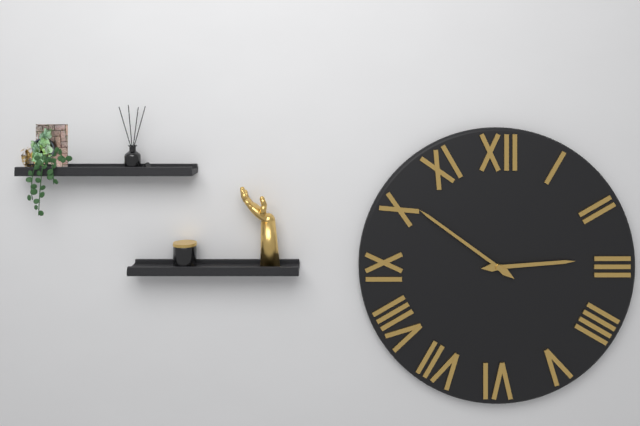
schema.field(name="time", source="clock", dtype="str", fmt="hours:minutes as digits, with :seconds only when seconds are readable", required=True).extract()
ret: 2:51
